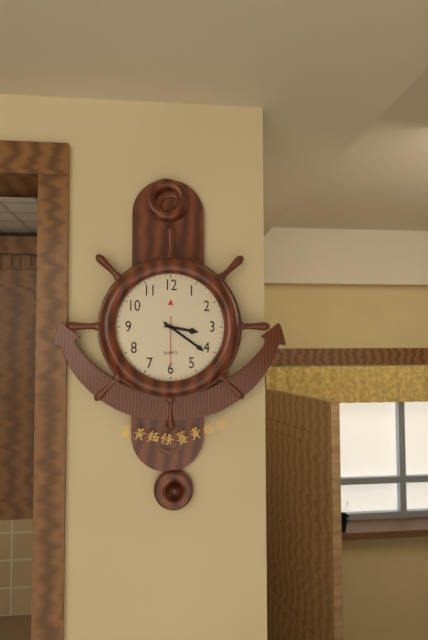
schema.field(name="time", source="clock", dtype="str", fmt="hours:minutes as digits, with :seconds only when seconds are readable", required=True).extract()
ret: 3:21:30
